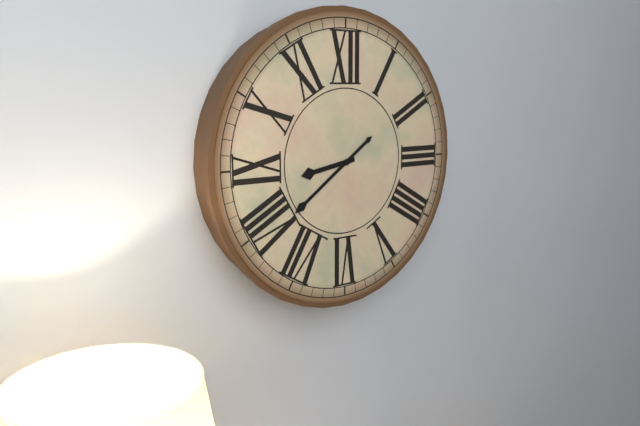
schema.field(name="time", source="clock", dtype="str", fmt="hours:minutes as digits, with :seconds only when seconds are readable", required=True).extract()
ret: 8:39
